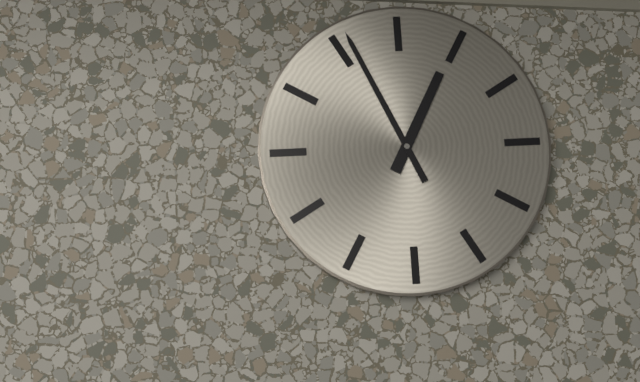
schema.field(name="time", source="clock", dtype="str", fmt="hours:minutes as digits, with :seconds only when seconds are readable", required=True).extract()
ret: 12:56
